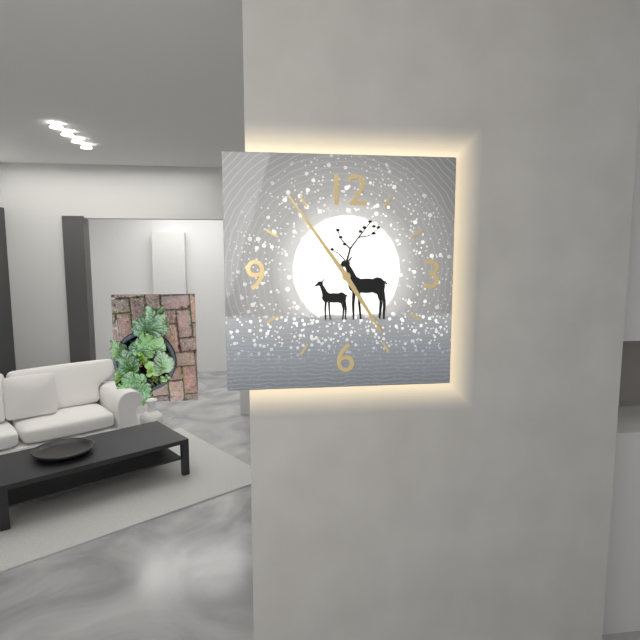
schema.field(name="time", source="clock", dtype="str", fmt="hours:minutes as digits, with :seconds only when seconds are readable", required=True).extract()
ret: 4:54
